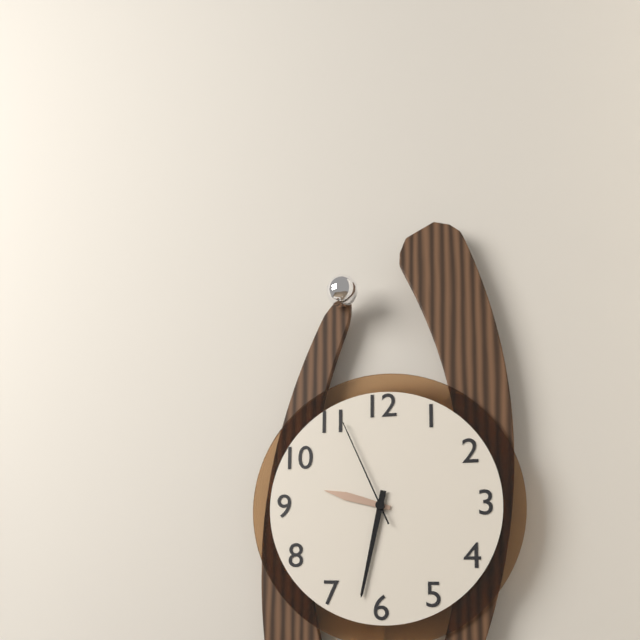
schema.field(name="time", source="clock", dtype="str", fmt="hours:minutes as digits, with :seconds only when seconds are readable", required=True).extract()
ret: 9:32:56
